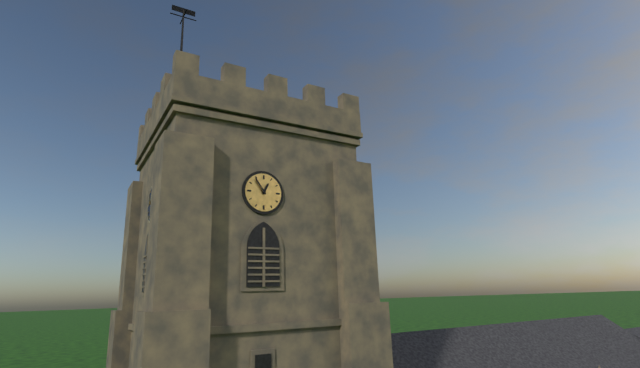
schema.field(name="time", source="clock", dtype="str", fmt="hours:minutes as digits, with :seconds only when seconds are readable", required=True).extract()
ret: 12:54
